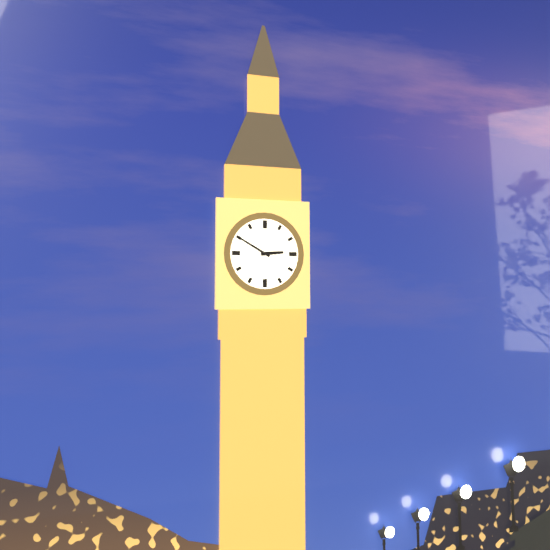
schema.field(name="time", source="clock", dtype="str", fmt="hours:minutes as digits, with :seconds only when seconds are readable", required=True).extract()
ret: 2:50
